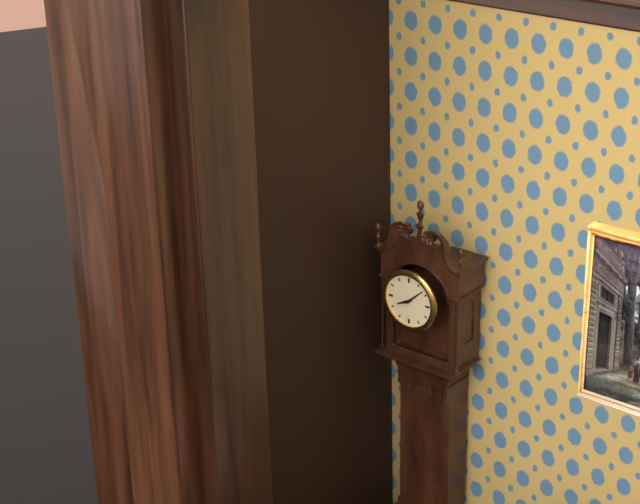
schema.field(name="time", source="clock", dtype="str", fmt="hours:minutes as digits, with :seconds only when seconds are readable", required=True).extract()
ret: 8:08
